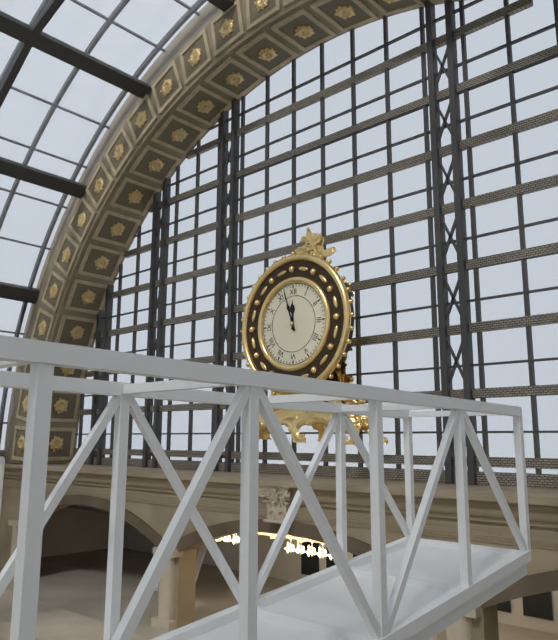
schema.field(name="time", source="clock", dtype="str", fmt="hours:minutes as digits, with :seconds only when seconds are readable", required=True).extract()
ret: 11:57
